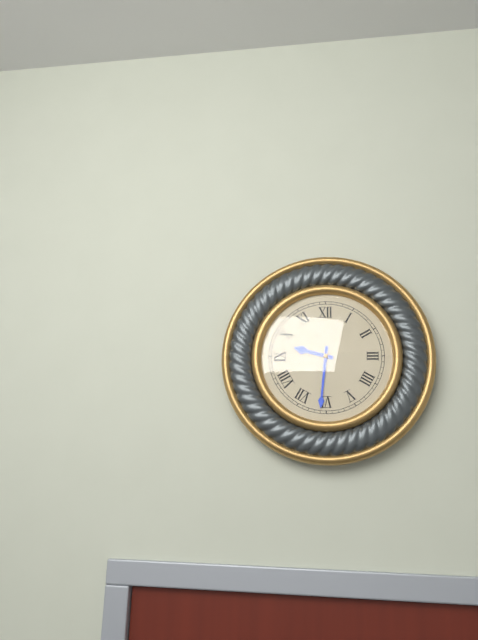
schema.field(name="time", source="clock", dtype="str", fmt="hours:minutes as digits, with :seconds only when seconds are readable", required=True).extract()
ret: 9:31
